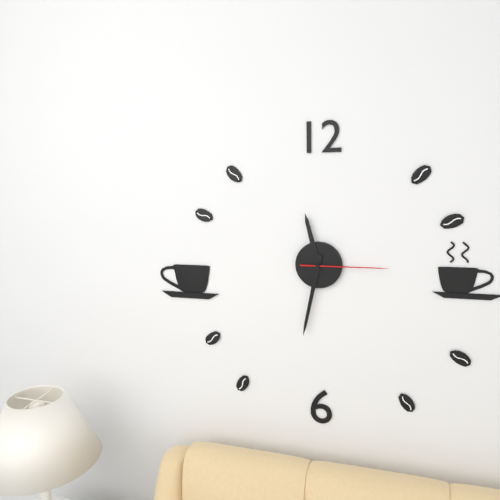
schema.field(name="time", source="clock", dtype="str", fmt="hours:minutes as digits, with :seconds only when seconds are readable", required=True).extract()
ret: 11:32:15
